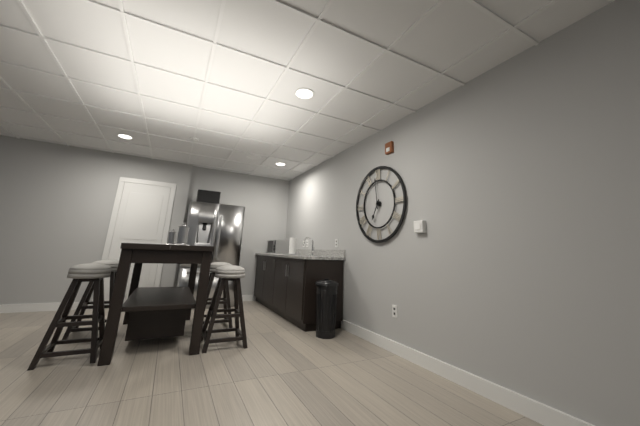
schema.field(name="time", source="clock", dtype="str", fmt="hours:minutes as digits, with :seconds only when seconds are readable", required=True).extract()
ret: 6:59
